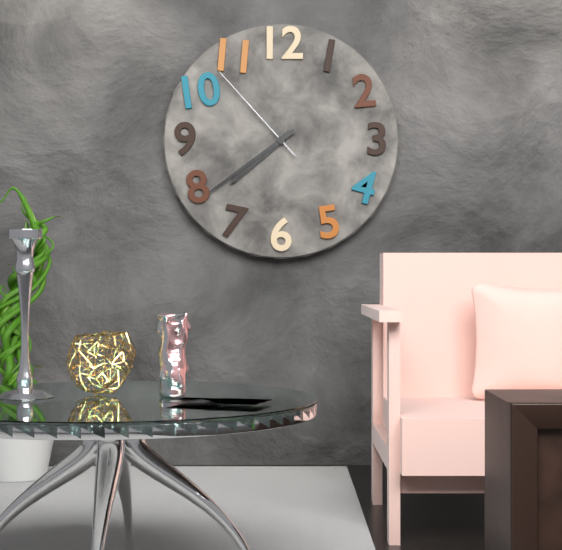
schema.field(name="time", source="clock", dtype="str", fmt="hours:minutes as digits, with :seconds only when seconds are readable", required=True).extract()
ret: 7:39:53
